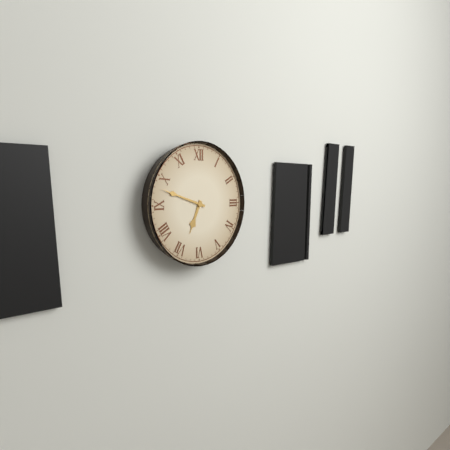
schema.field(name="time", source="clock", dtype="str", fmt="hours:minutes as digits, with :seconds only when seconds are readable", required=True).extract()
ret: 6:48
